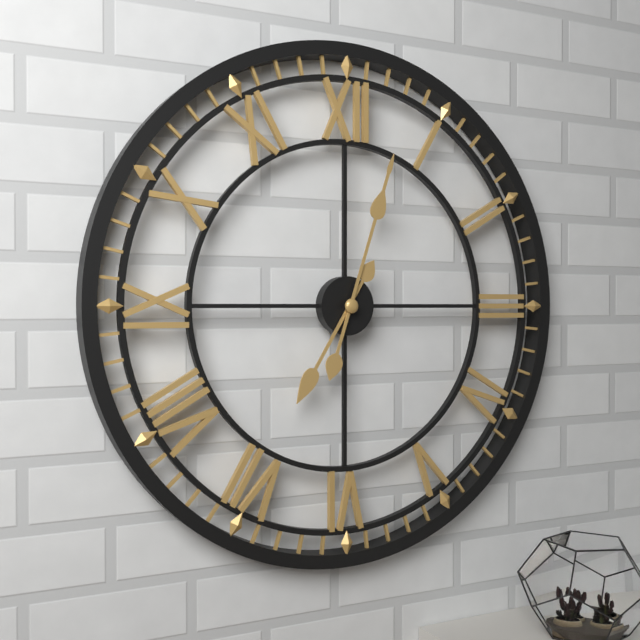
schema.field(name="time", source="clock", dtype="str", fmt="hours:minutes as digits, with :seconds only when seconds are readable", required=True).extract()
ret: 7:03
